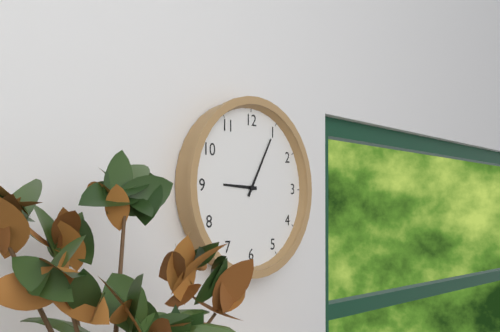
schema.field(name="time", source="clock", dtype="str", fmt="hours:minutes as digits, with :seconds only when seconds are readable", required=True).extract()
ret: 9:05
